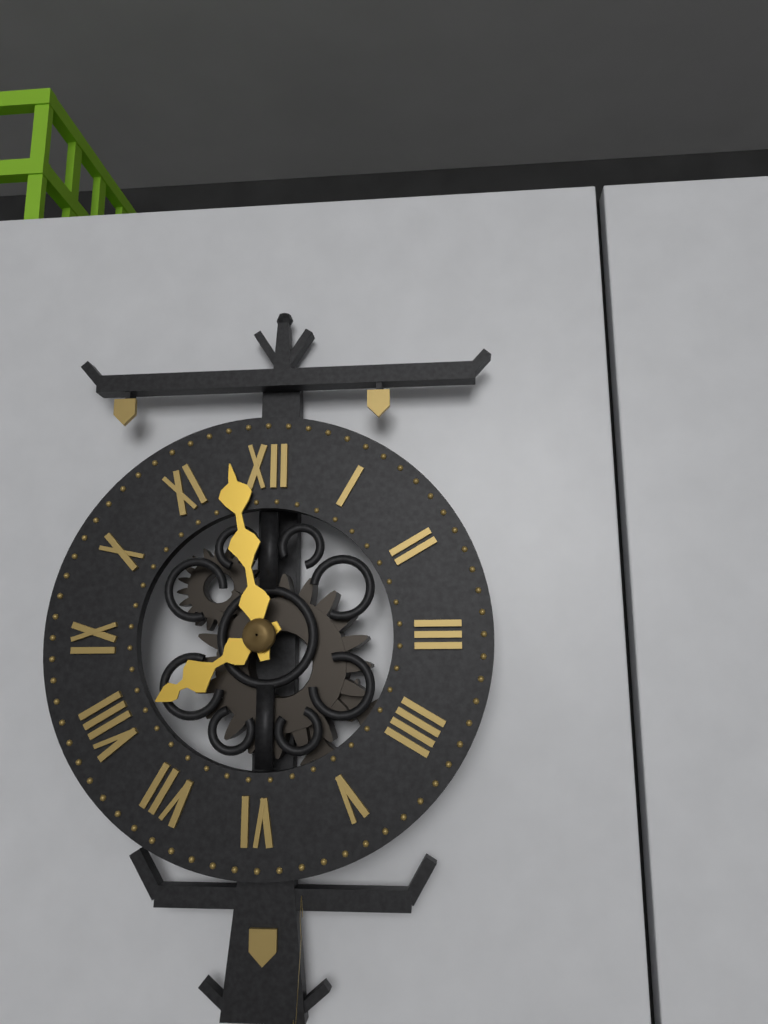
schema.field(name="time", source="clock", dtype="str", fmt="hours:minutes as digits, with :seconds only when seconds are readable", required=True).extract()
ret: 7:58
